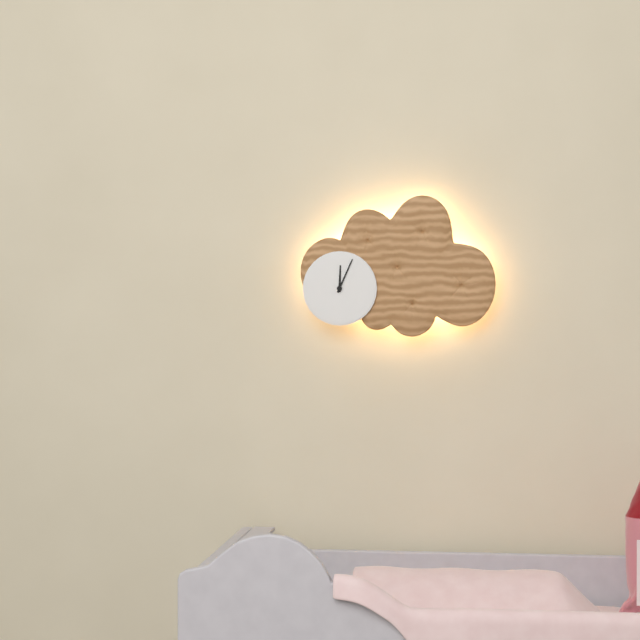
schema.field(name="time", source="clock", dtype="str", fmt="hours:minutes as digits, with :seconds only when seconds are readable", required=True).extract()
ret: 12:04
